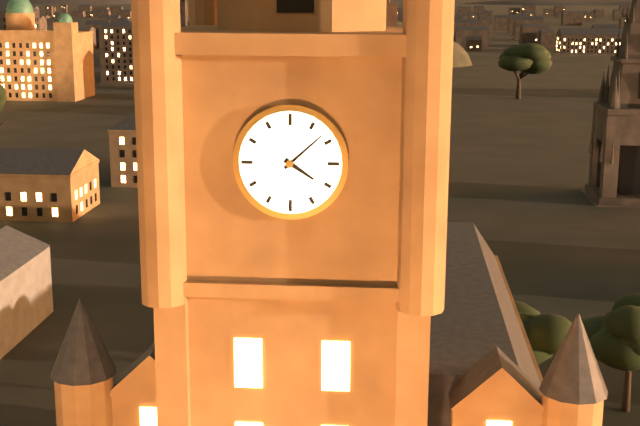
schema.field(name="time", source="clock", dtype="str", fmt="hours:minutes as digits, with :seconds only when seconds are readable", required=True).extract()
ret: 4:08
